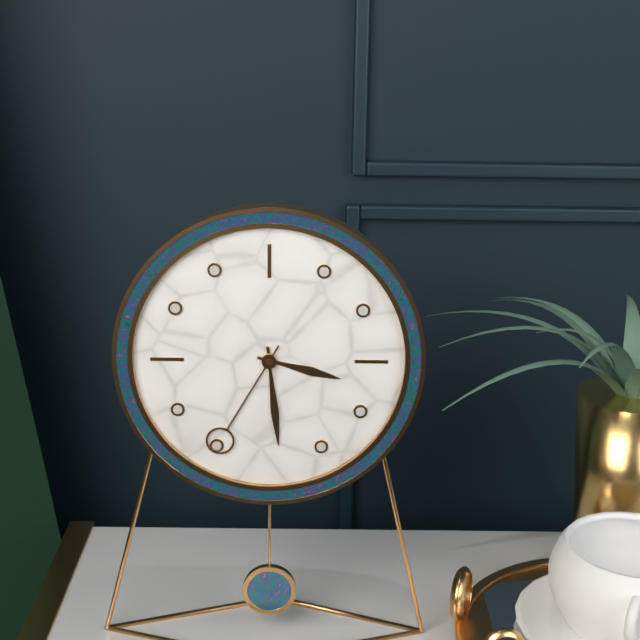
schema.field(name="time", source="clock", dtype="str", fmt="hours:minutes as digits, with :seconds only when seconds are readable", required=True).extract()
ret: 3:29:35
